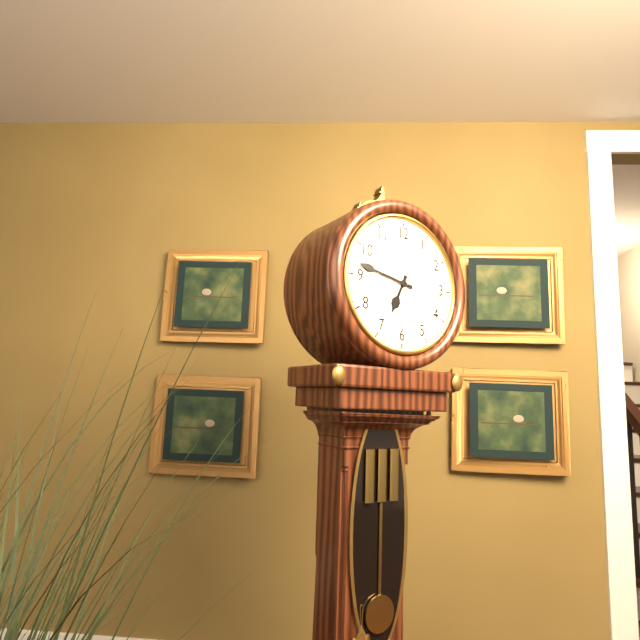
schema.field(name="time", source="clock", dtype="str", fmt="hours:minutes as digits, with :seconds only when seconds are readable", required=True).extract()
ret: 6:47
